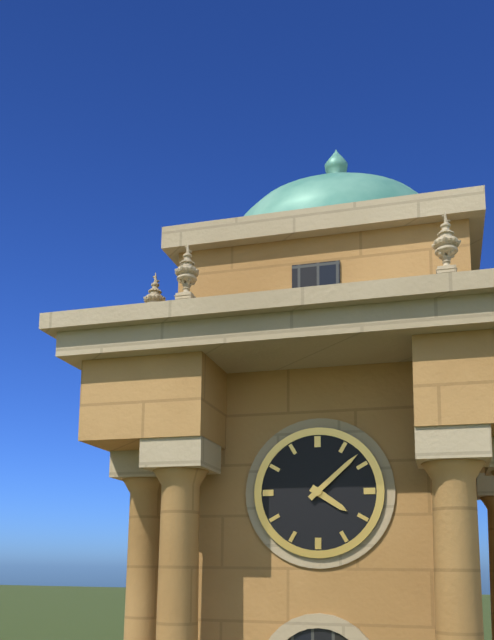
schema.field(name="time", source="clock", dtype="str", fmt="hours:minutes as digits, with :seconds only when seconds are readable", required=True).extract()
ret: 4:08
